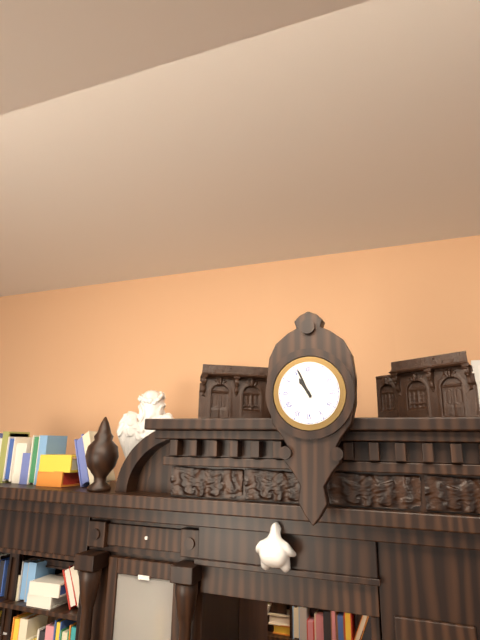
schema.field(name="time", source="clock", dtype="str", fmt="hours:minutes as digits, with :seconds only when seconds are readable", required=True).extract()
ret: 10:56
